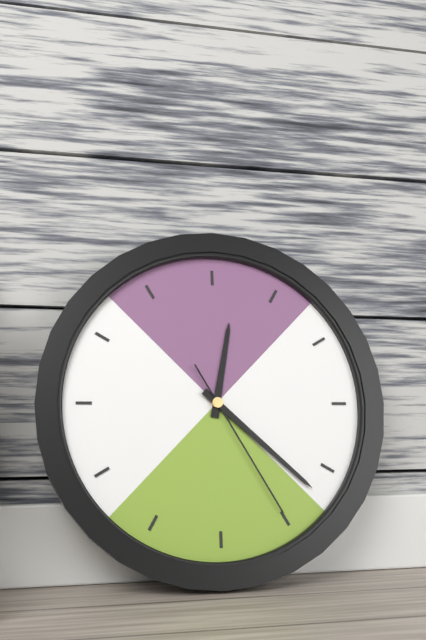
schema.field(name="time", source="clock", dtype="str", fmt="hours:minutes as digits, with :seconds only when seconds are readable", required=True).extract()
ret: 12:22:25
